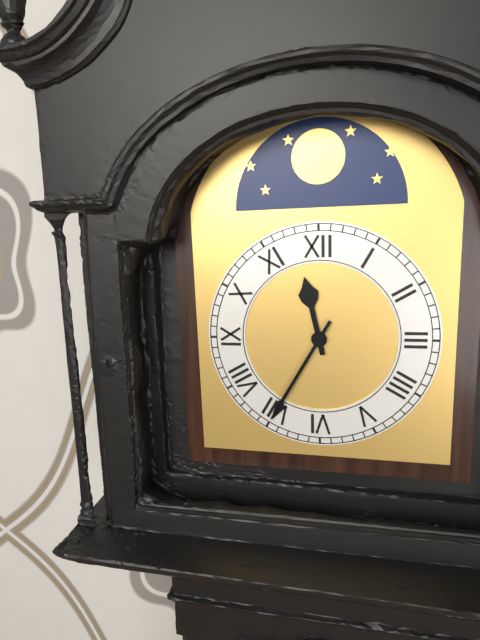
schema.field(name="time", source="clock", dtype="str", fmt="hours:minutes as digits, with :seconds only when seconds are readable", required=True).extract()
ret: 11:35
